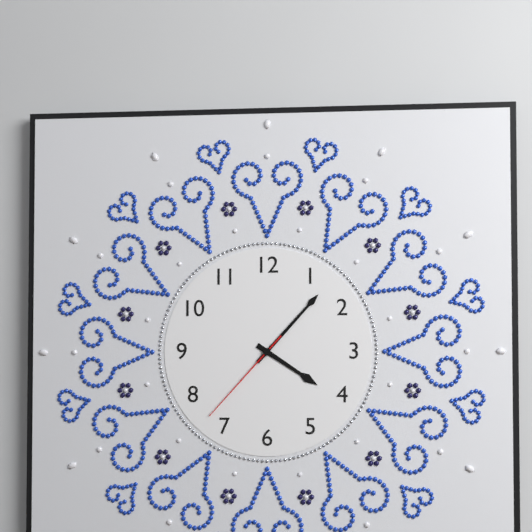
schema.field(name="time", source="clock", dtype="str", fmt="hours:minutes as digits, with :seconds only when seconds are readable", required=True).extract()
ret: 4:07:37
